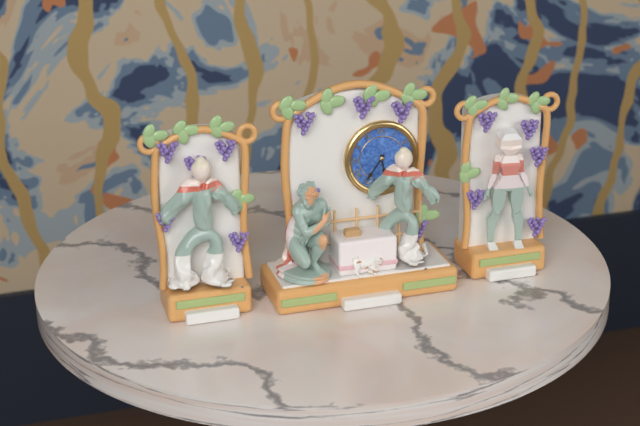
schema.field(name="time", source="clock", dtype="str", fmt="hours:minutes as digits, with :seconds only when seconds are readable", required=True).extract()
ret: 5:36
